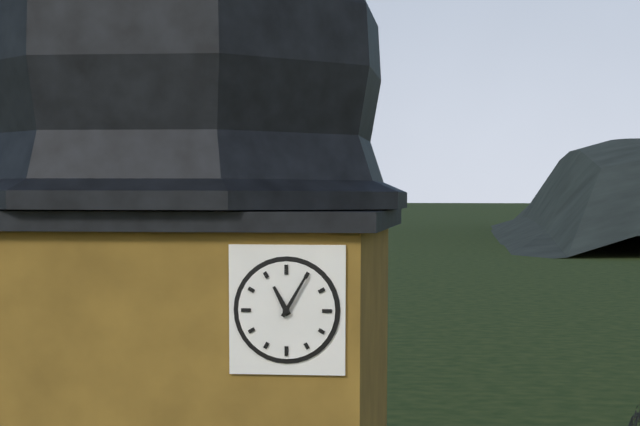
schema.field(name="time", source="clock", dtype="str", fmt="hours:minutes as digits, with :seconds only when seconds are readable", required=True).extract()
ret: 11:05
